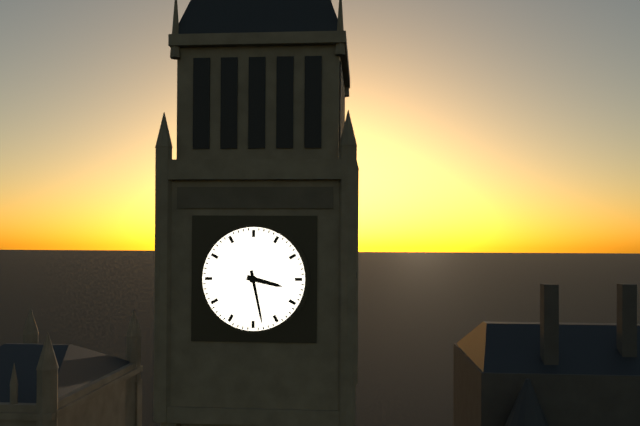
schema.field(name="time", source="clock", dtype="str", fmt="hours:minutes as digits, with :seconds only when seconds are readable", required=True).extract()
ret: 3:28
